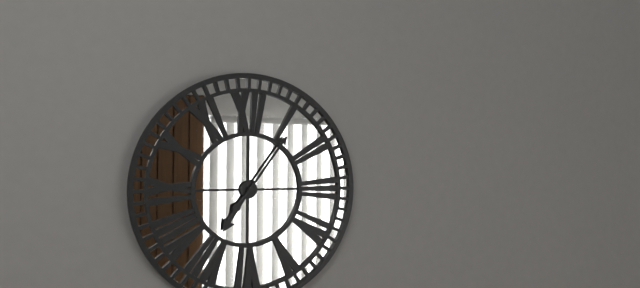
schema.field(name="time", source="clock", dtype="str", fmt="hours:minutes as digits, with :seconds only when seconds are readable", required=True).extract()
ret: 7:06
